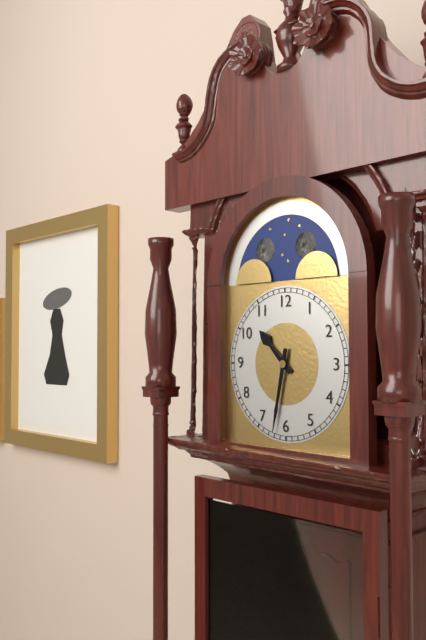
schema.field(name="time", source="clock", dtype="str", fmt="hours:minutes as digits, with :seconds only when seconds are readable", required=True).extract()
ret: 10:32
